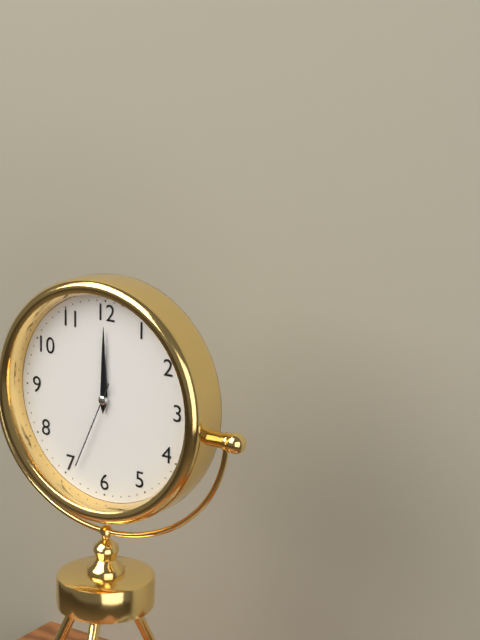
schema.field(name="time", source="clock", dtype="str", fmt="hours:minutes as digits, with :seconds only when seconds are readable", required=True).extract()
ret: 12:00:34
